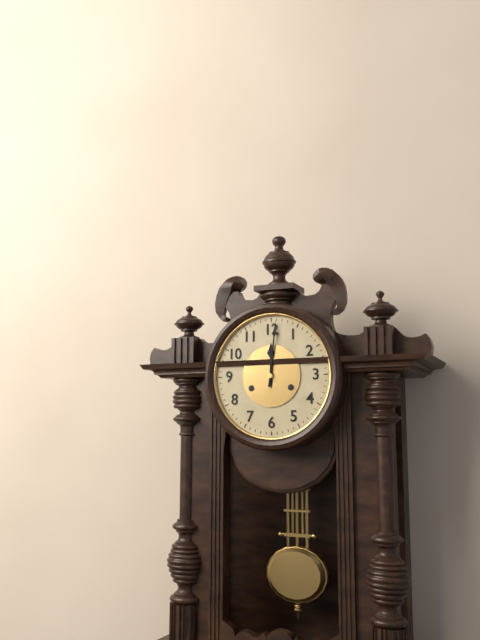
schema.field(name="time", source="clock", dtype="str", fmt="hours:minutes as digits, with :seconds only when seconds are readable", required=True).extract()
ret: 12:01
